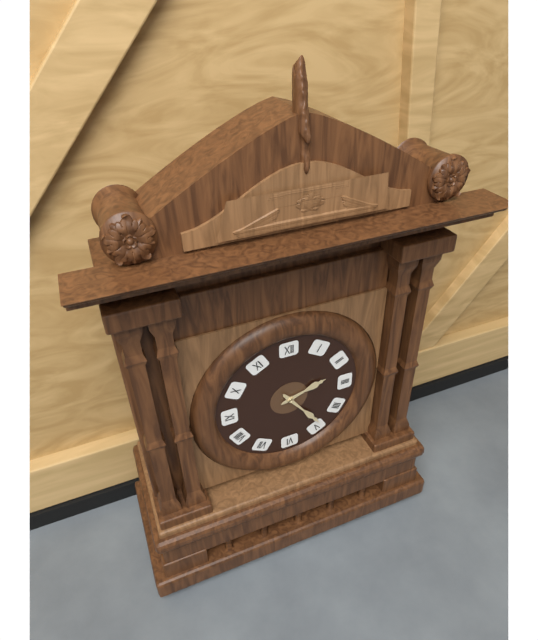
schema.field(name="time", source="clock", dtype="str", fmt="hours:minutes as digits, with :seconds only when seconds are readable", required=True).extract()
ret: 2:24
